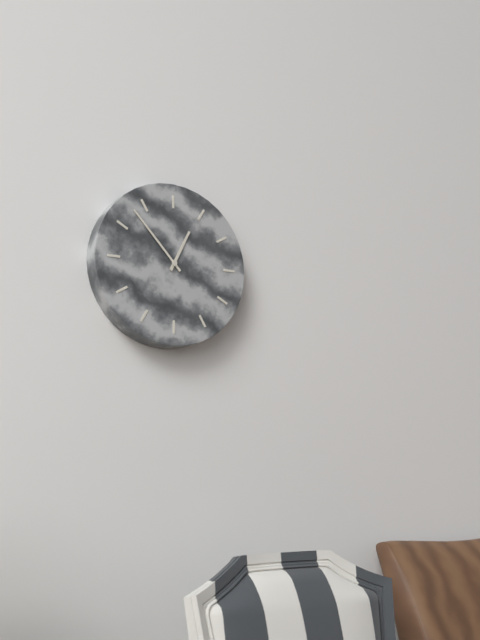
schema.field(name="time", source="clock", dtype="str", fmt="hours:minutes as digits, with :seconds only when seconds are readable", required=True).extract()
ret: 12:53
